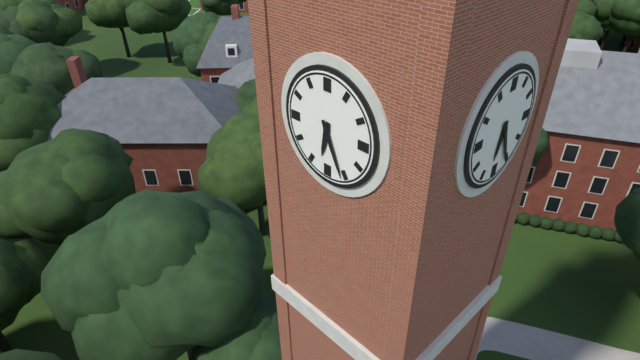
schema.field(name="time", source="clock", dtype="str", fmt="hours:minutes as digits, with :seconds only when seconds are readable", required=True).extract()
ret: 6:26
